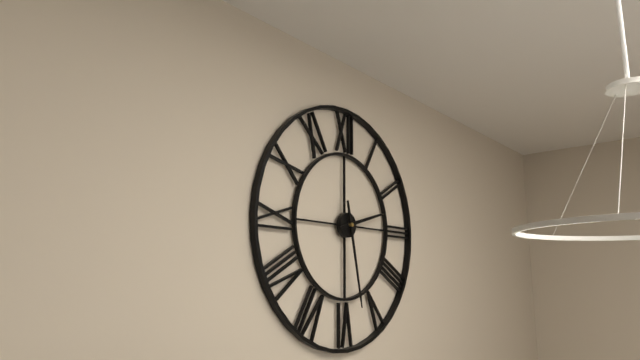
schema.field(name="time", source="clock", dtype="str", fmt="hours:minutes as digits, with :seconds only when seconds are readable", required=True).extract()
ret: 2:28
